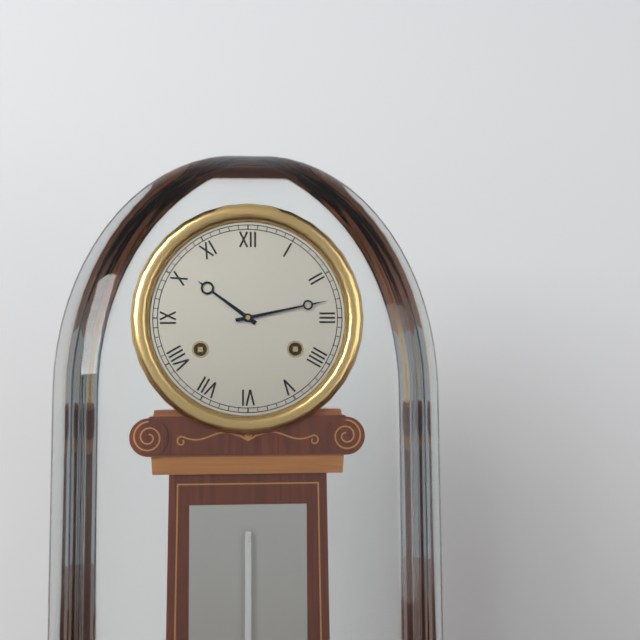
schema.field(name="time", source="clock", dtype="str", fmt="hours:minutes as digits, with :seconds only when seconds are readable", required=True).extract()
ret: 10:13
